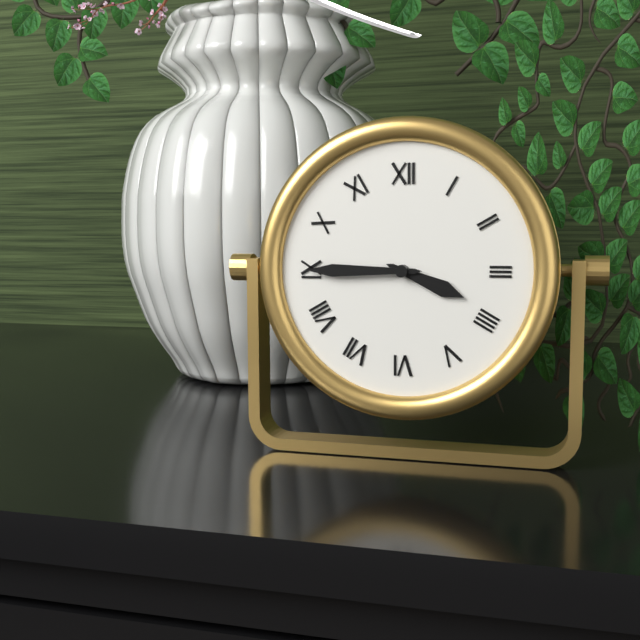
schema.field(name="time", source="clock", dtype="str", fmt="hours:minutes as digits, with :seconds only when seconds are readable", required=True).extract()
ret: 3:45
